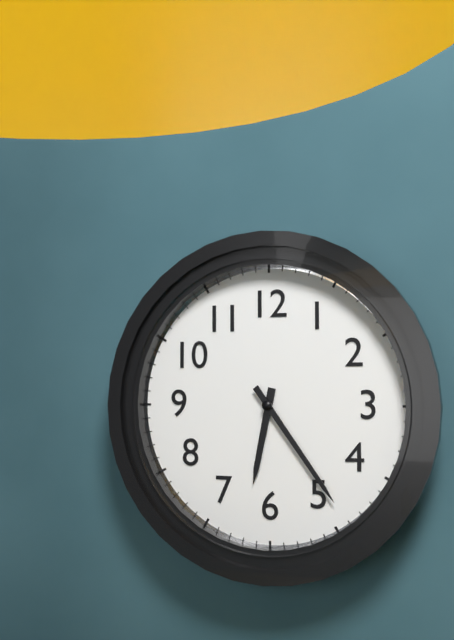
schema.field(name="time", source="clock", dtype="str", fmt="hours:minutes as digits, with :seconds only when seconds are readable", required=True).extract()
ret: 6:24
